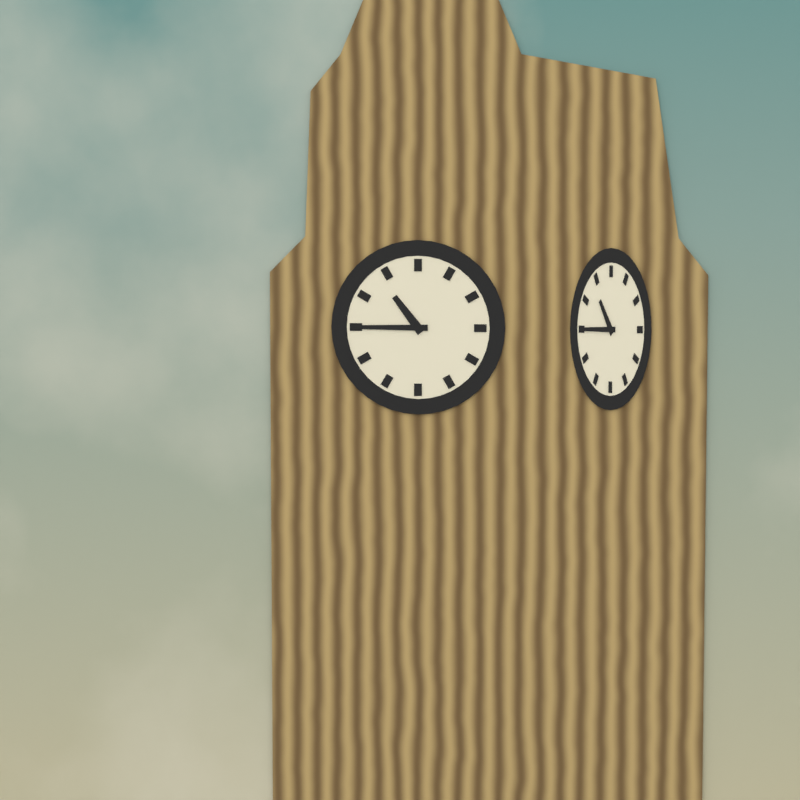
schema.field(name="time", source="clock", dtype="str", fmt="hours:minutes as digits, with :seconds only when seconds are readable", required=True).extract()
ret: 10:45
